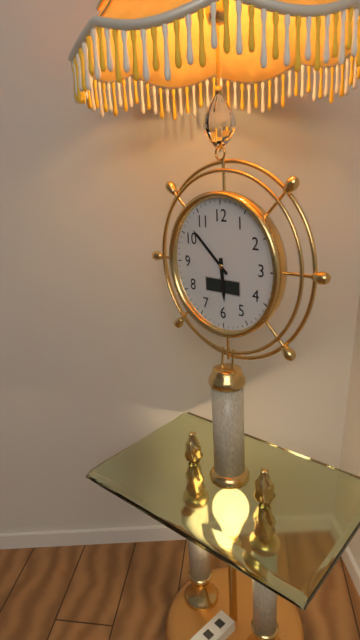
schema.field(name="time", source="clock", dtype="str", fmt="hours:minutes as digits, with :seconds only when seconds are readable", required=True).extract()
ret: 5:52
